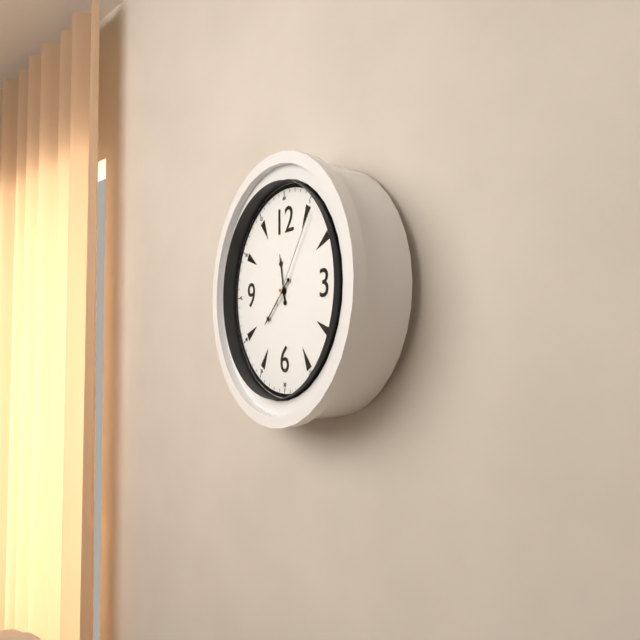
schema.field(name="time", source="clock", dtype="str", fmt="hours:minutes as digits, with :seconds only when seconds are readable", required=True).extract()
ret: 11:38:06
